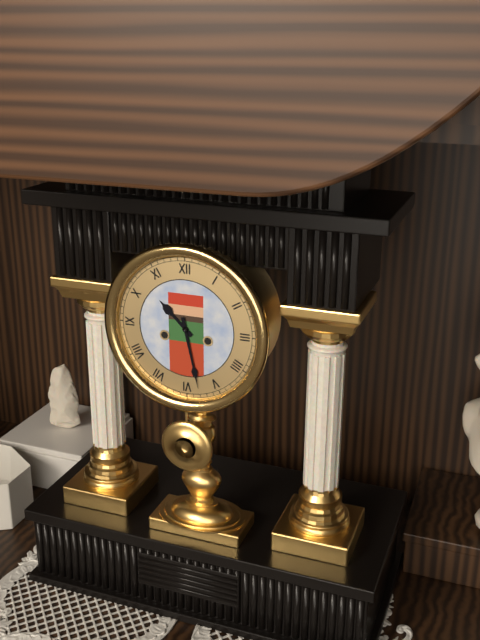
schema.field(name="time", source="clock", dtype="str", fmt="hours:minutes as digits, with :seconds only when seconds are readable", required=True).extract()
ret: 10:28
